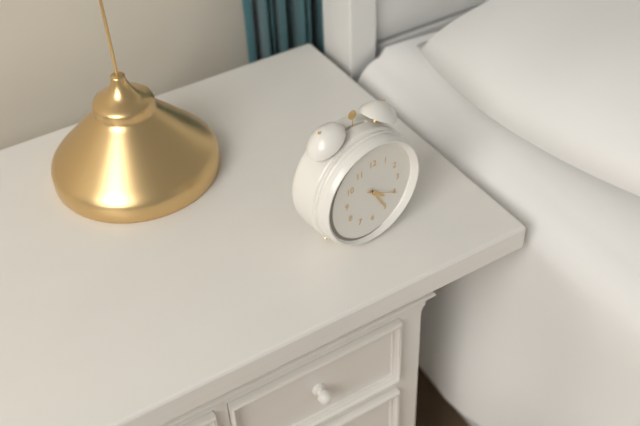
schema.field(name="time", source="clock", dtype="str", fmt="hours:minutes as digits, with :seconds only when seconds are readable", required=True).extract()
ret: 4:25
